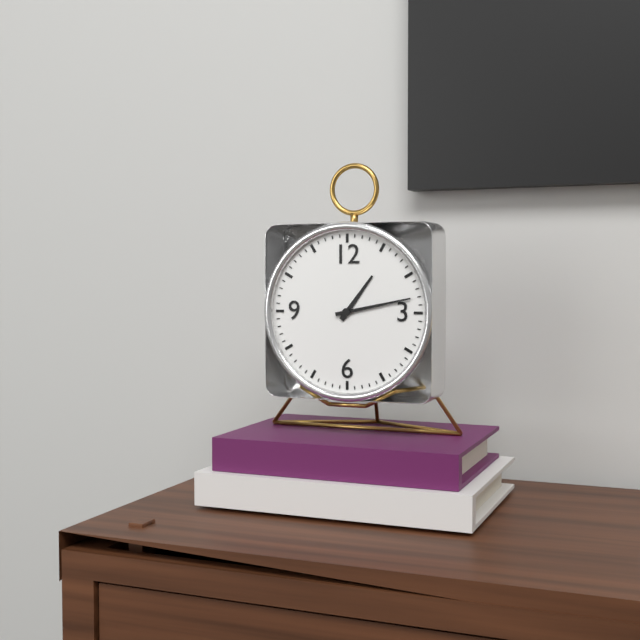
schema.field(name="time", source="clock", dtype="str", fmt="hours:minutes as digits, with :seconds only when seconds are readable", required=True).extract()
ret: 1:13
